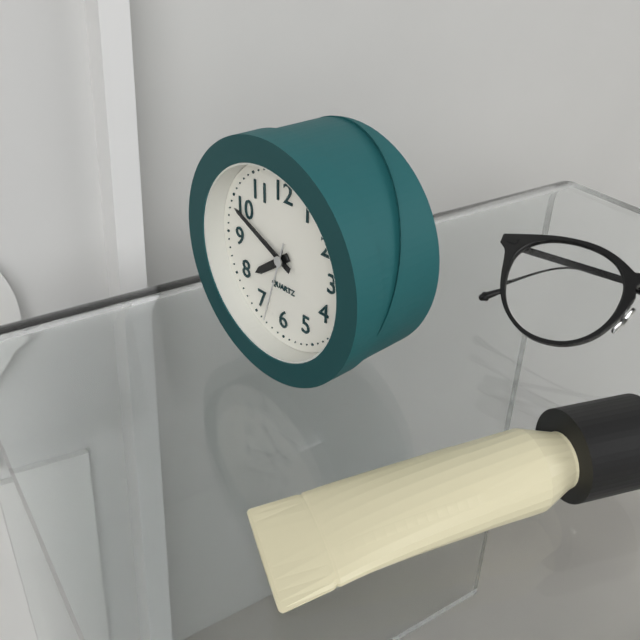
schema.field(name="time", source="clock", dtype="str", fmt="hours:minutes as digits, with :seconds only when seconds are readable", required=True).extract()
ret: 7:49:33
